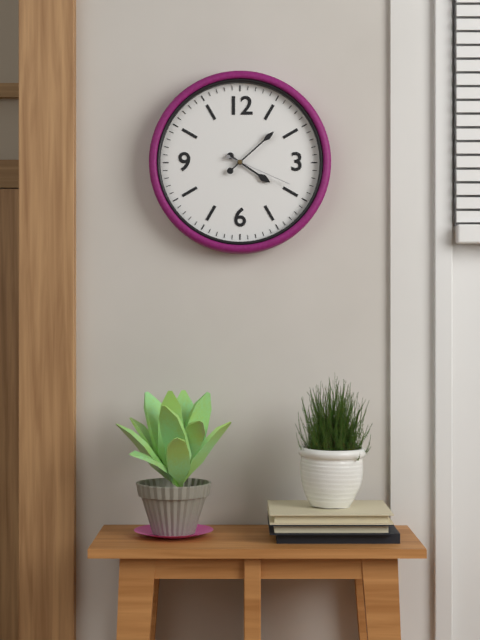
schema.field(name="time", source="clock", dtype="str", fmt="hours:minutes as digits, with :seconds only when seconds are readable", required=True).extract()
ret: 4:08:19
